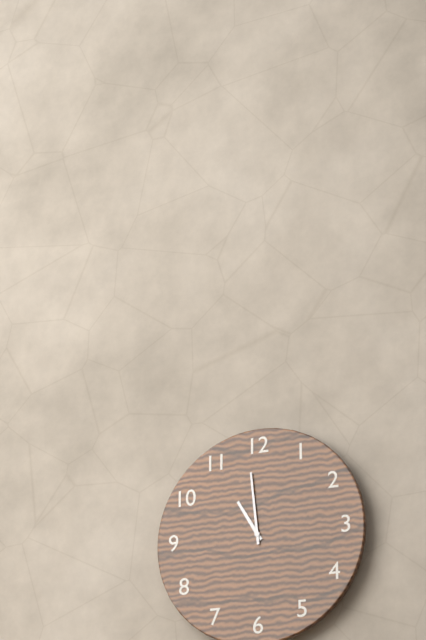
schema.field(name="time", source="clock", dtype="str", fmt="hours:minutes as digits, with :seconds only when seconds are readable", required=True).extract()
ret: 10:59
